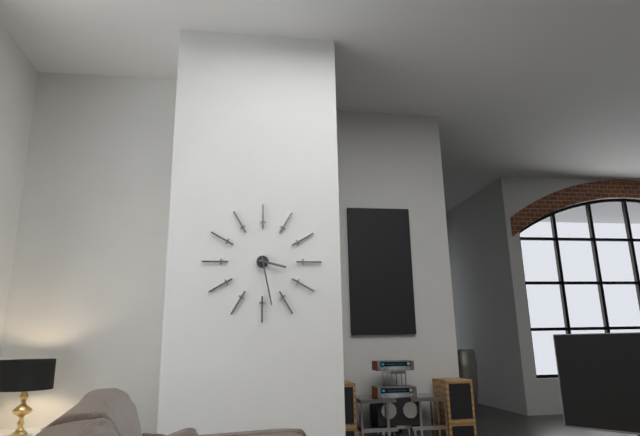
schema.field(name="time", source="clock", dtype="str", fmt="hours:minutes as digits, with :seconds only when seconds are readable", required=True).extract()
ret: 3:28
